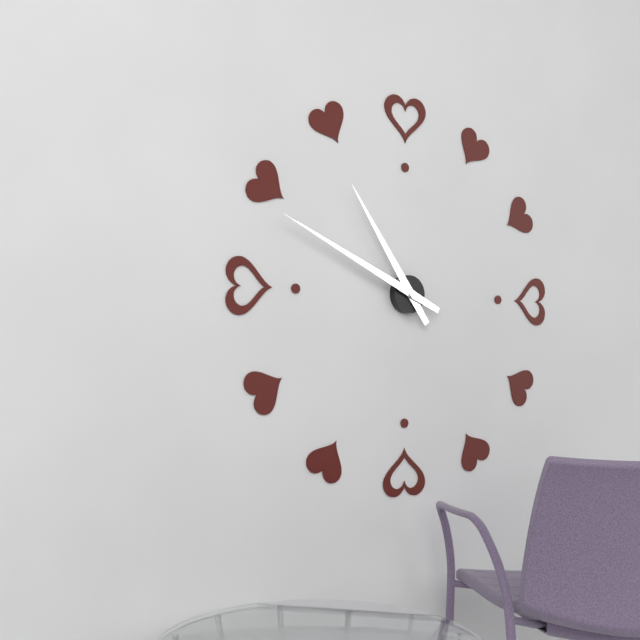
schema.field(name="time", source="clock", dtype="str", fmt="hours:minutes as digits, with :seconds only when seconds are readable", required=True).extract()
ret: 10:49
